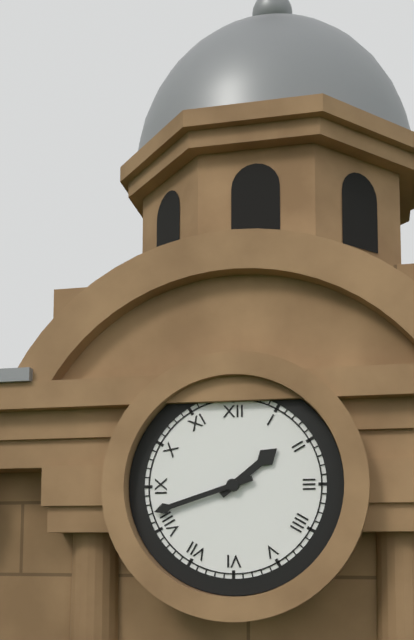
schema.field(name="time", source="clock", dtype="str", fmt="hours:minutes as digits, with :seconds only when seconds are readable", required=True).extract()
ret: 1:42
